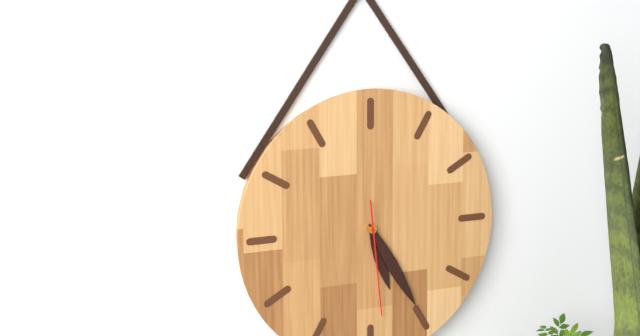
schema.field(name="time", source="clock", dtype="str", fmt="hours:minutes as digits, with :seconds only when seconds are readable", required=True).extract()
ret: 5:25:29
